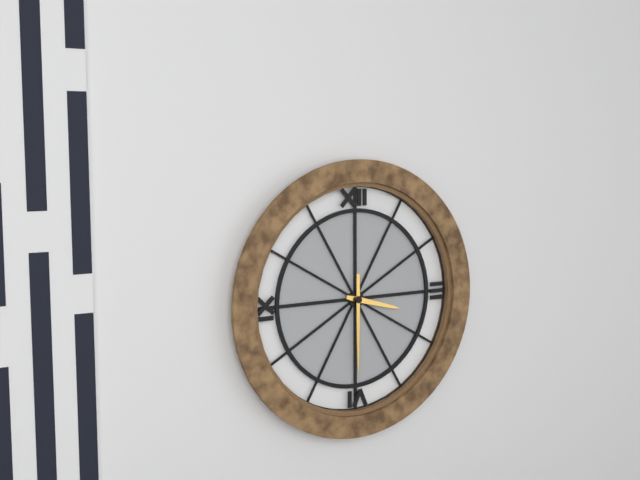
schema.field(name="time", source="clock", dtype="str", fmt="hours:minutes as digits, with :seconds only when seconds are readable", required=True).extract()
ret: 3:30
